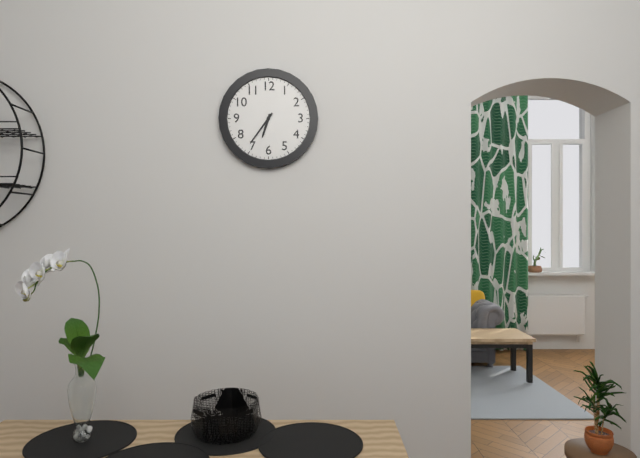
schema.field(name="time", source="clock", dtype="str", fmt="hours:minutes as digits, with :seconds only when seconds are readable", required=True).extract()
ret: 6:36
